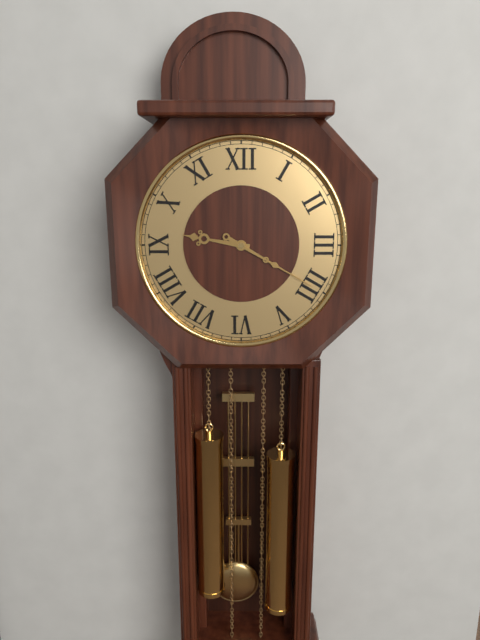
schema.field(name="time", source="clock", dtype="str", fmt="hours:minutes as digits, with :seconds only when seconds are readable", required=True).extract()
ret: 9:20
